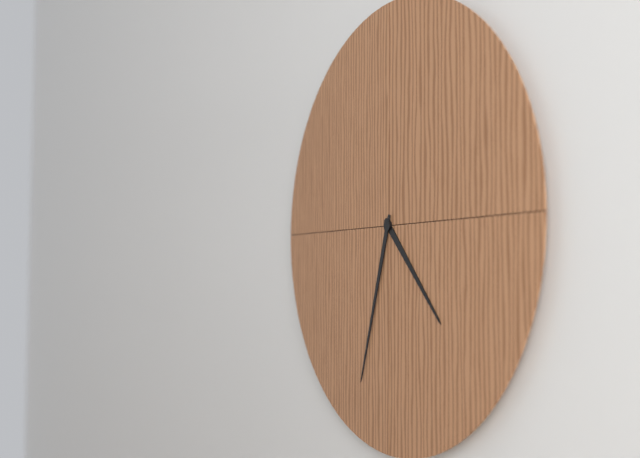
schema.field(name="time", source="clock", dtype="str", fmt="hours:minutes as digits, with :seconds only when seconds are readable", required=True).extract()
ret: 4:33
